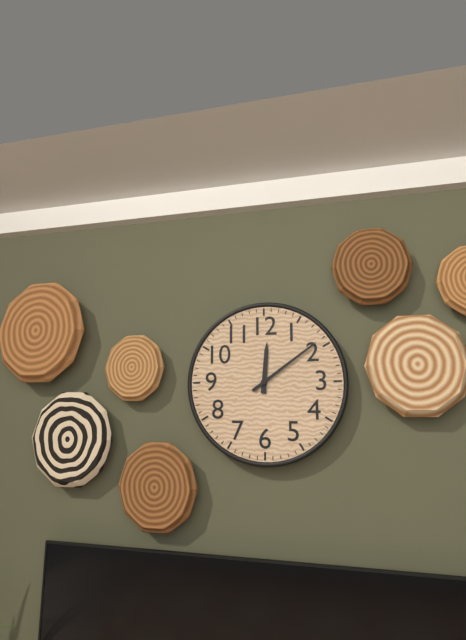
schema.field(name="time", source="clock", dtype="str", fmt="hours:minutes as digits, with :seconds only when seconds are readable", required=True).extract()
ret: 12:09
